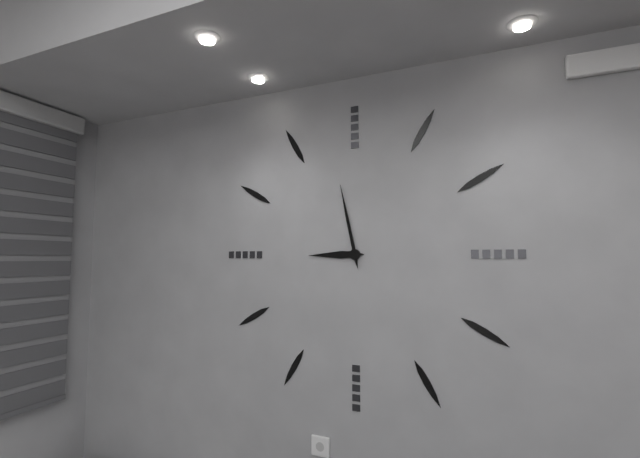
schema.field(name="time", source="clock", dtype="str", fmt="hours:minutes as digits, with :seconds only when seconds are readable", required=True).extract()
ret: 8:58
